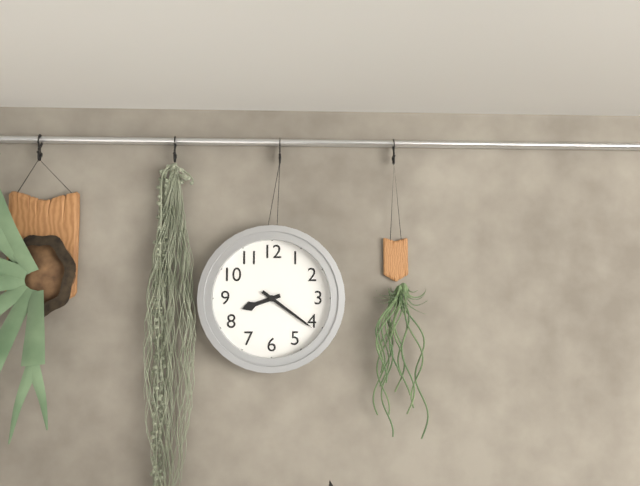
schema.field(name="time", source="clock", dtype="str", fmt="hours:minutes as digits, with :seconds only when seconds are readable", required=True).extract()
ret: 8:21
